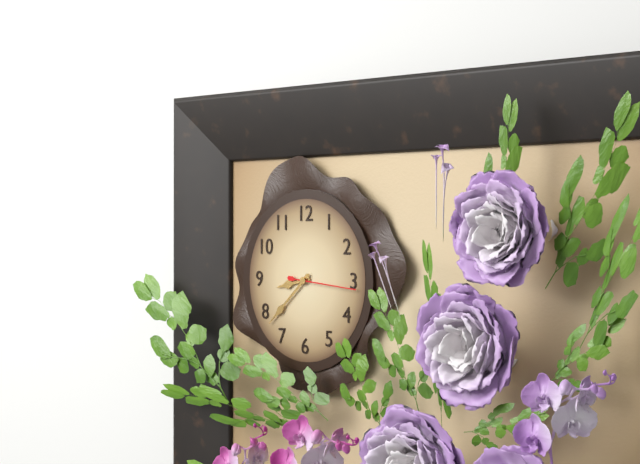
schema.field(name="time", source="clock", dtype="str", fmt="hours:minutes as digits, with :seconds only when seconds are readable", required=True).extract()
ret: 8:38:16
